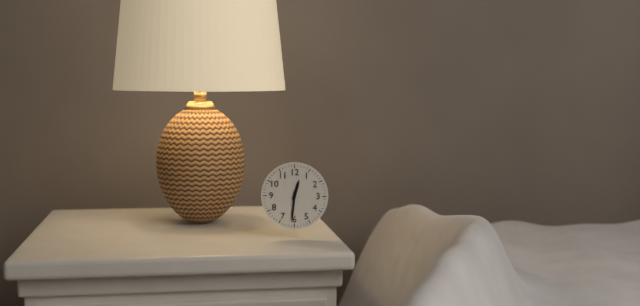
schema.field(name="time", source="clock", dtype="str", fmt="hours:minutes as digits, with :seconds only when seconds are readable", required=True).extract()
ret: 12:31
